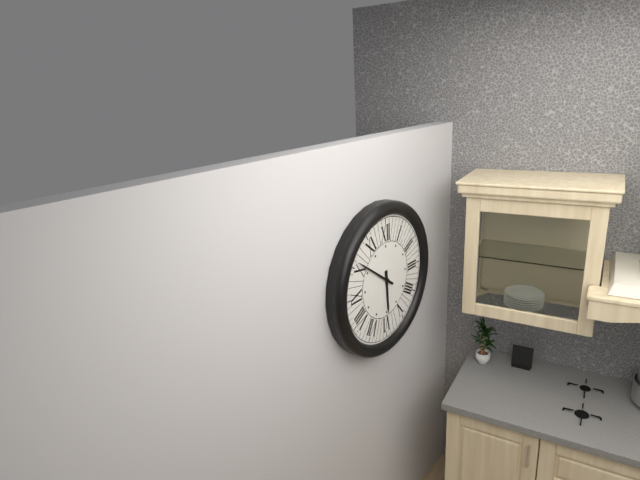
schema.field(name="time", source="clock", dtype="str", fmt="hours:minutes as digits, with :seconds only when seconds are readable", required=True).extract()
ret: 5:51
